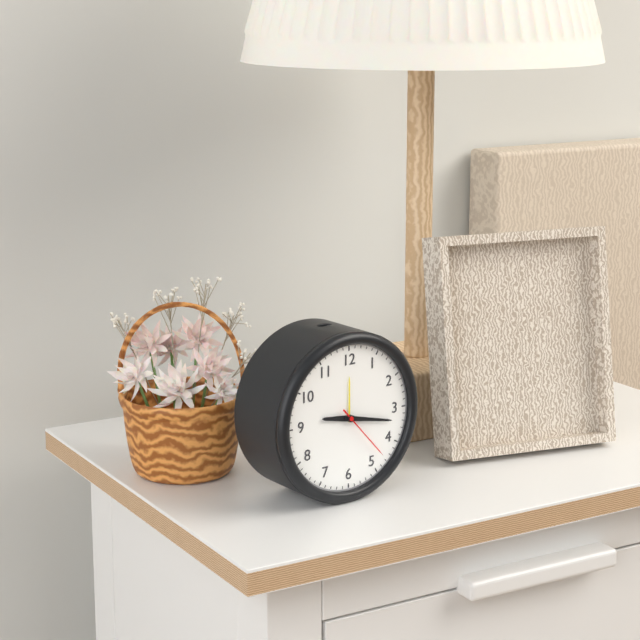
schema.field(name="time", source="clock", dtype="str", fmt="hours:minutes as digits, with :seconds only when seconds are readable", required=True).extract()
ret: 9:17:23
